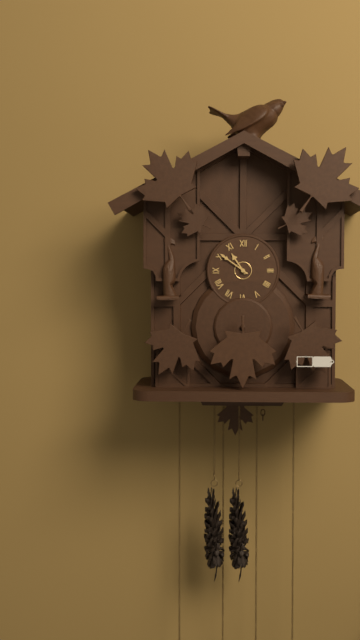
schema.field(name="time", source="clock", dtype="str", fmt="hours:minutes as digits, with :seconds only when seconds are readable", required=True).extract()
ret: 10:51
